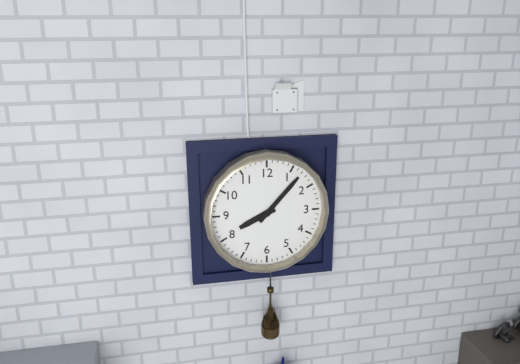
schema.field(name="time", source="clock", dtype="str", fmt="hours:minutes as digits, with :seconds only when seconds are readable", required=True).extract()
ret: 8:07
